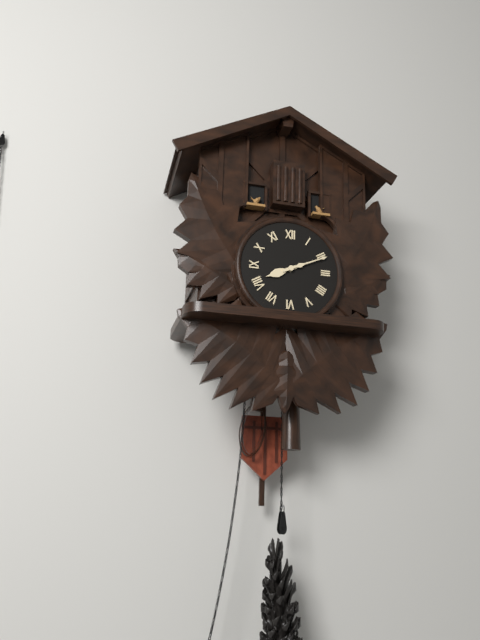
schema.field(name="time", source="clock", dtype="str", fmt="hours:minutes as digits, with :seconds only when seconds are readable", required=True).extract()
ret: 8:11
